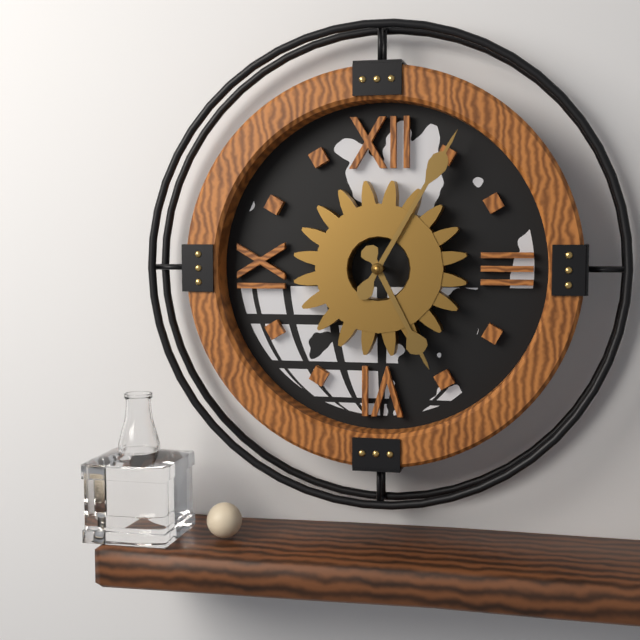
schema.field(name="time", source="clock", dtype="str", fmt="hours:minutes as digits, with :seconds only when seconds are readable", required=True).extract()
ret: 5:05
